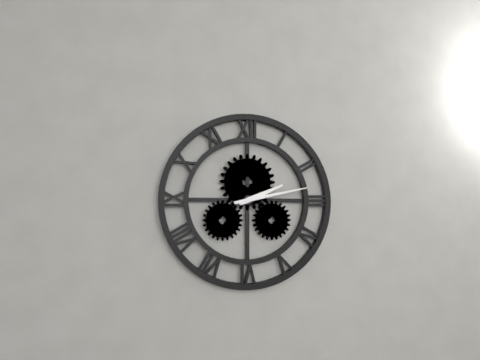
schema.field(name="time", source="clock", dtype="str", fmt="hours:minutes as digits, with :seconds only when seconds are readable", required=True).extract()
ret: 2:13
